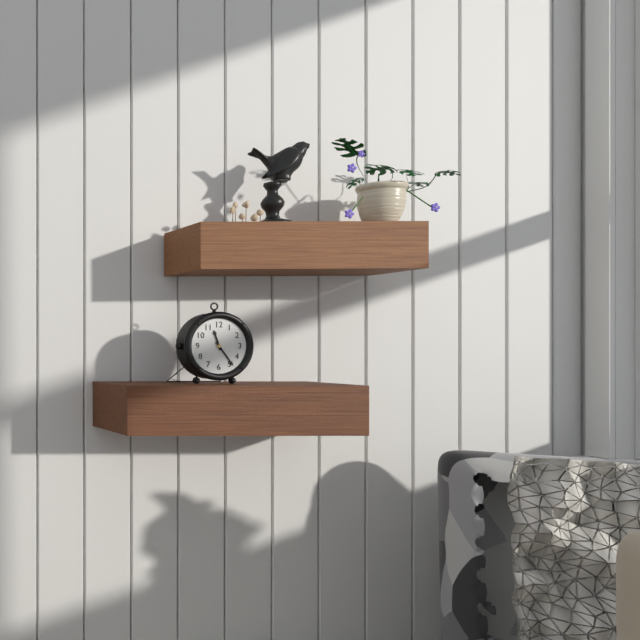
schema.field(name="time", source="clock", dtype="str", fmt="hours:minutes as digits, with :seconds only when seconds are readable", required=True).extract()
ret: 11:24
